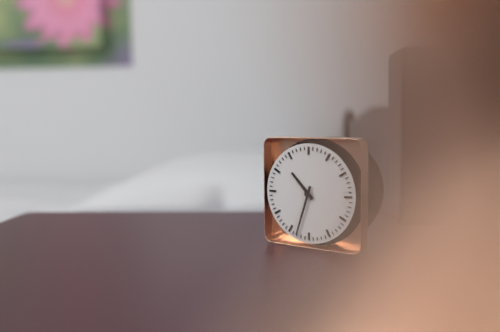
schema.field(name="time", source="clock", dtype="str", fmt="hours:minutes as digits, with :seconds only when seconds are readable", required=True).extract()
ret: 10:33
